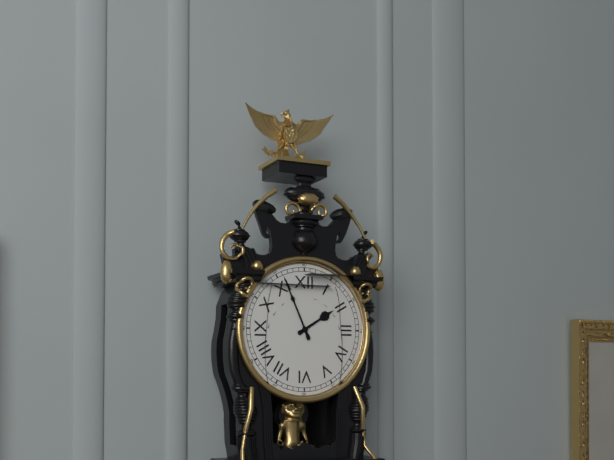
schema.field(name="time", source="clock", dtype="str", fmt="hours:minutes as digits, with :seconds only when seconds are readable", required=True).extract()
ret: 1:56
